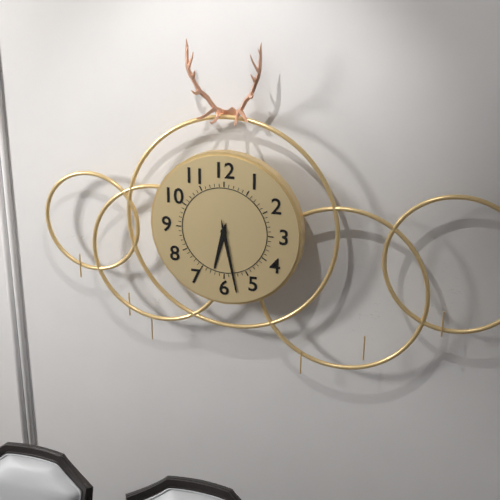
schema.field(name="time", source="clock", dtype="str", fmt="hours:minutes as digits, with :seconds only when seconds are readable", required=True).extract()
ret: 6:28
